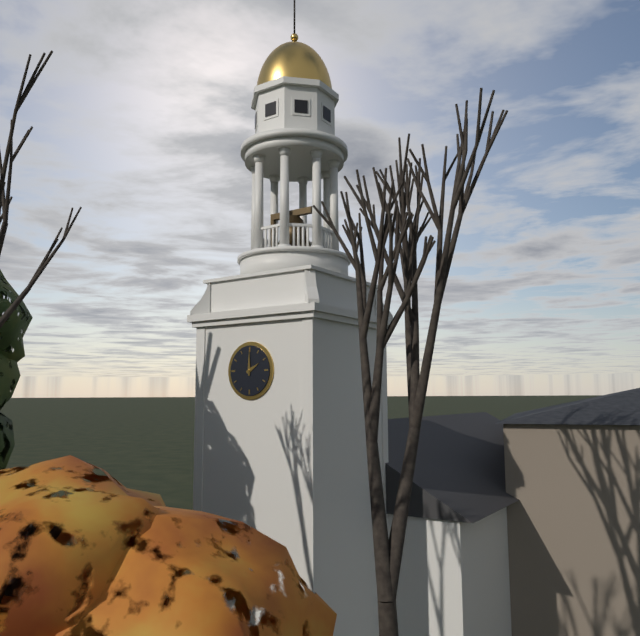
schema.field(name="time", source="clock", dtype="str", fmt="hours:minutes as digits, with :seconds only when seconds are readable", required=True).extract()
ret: 2:00
